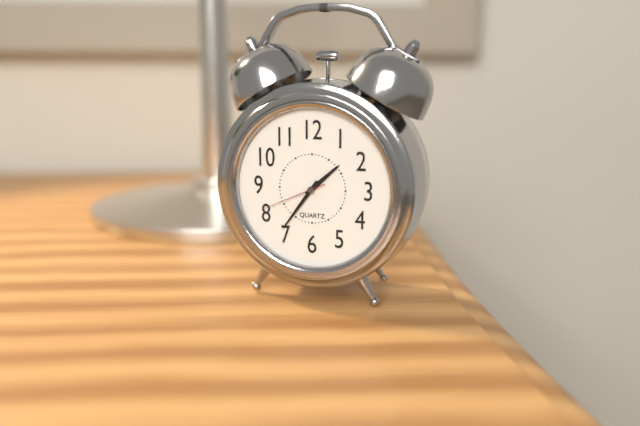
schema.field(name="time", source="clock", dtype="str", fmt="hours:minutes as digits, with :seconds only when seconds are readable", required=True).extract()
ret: 1:36:41
